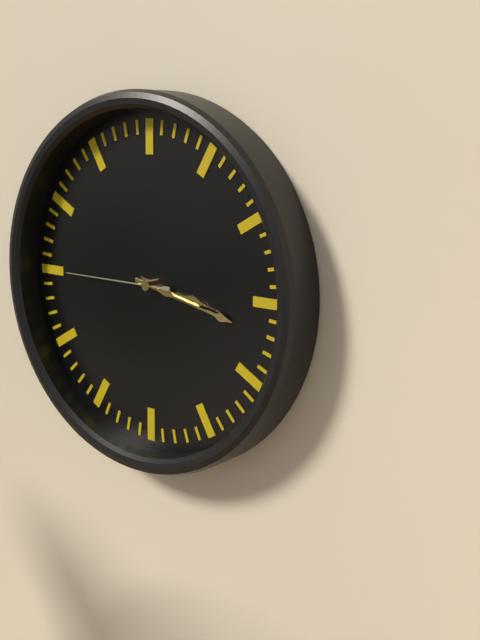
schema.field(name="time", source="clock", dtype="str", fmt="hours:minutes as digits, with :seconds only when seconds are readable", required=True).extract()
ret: 3:17:45
